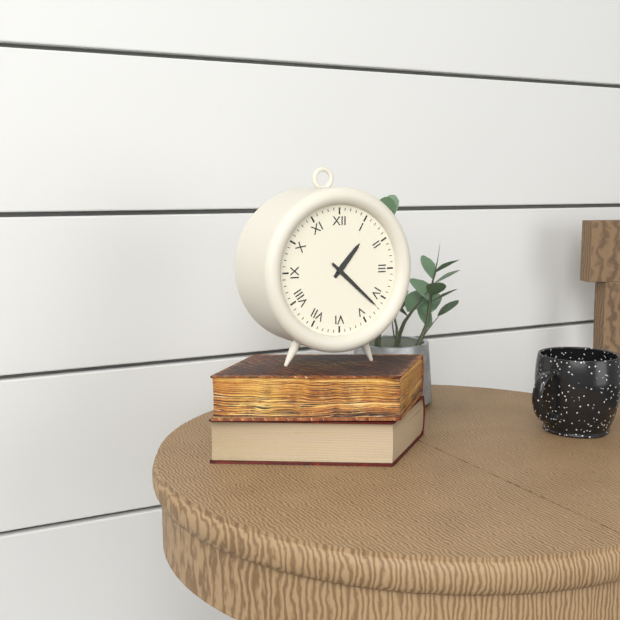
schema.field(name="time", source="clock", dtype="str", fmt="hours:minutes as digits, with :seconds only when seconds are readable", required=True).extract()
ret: 1:22
